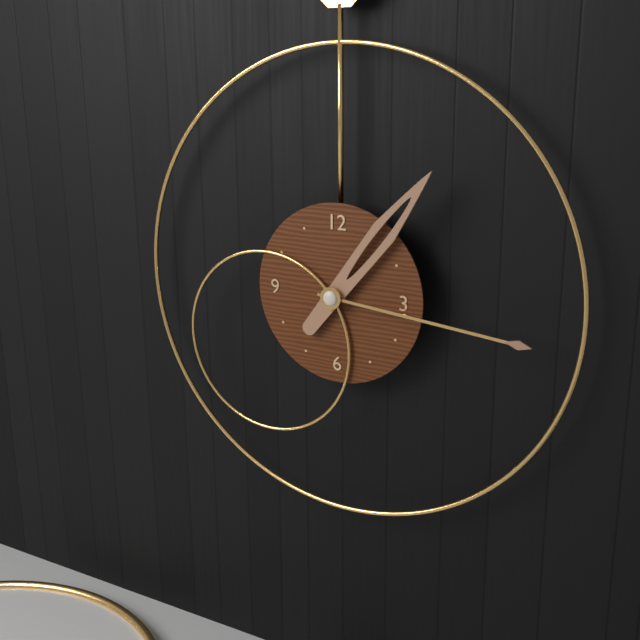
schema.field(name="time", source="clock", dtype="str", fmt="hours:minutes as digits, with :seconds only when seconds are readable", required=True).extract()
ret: 1:16
